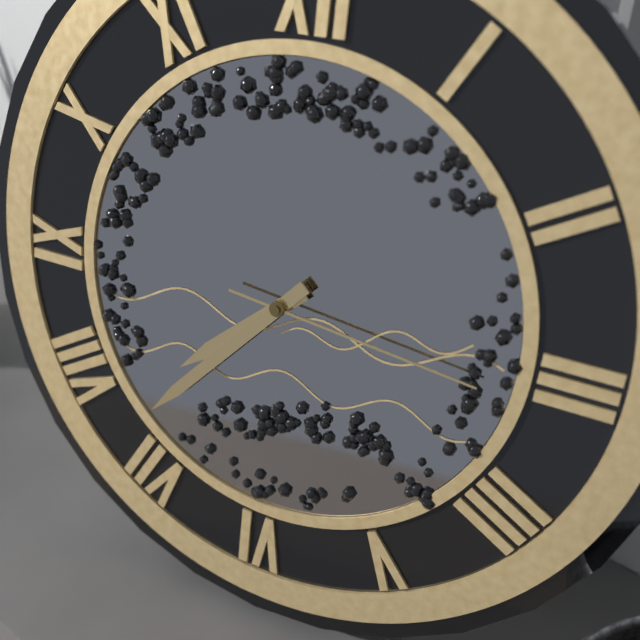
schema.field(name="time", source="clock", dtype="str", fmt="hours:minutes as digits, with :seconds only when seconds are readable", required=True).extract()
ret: 7:37:16
